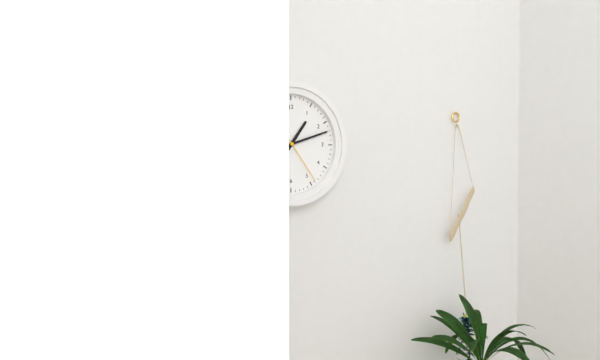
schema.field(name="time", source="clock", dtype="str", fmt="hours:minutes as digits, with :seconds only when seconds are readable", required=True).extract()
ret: 1:12:24
